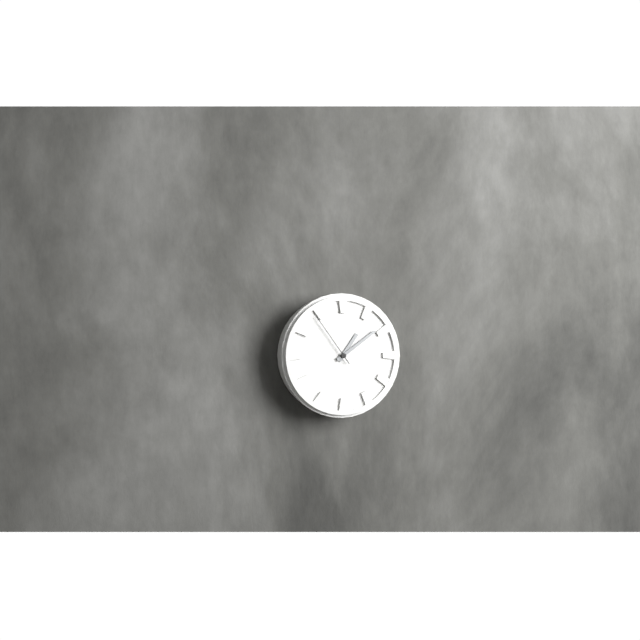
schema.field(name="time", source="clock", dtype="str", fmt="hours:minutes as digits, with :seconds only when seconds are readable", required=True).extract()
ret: 1:09:54
